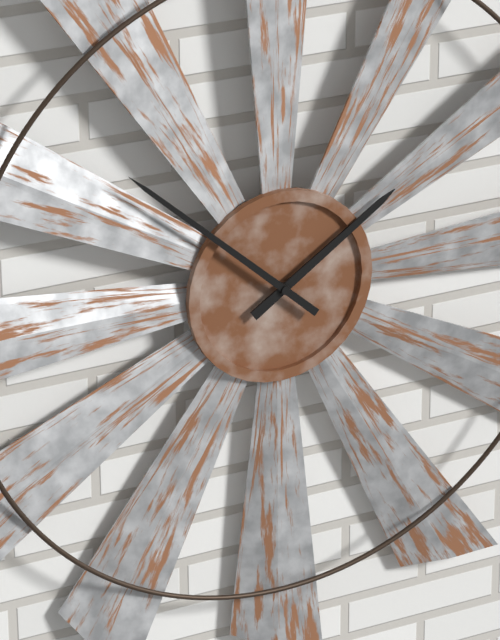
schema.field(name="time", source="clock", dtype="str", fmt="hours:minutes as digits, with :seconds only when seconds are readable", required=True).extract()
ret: 1:52
